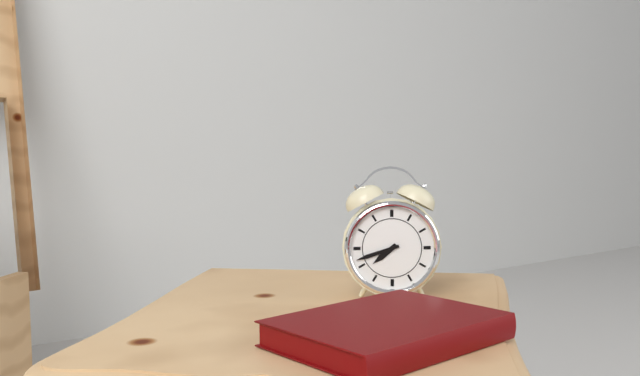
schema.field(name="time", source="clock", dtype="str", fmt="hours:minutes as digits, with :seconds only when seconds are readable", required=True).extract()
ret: 7:42
